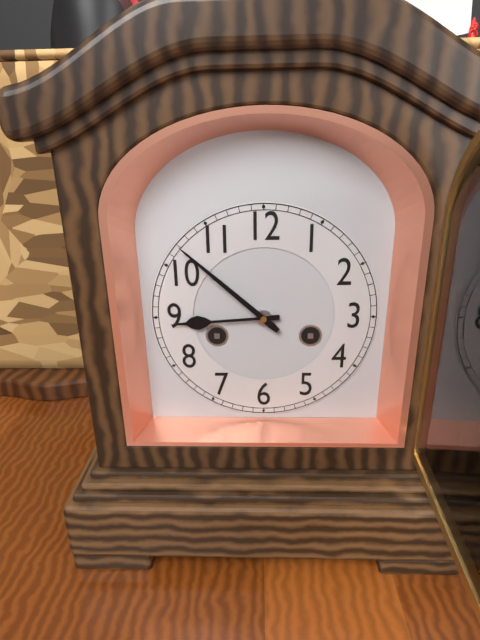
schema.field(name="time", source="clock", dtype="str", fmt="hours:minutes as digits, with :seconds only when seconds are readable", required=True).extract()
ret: 8:52
